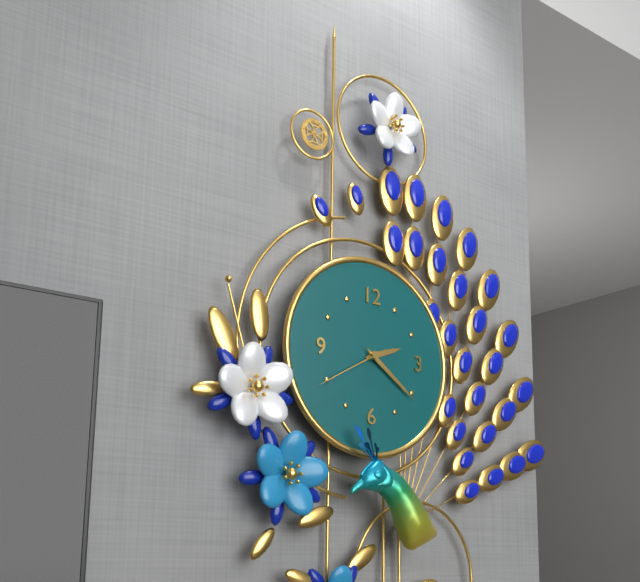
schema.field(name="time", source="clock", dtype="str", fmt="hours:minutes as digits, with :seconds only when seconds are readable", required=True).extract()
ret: 2:21:40
